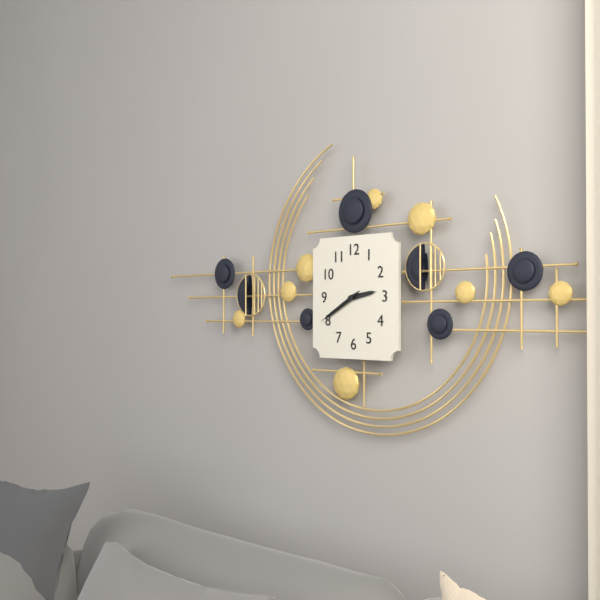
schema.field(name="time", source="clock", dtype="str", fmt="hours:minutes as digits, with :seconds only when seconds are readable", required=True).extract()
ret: 2:40
